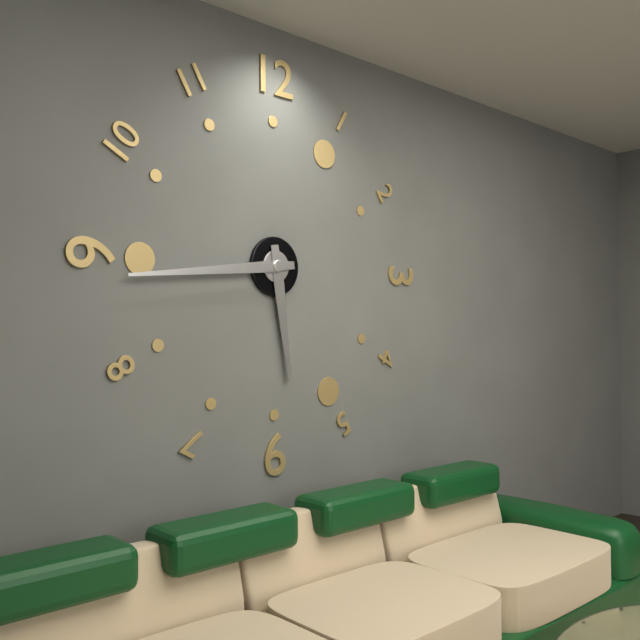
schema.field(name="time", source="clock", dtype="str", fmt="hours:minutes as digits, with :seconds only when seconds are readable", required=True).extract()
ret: 5:44
